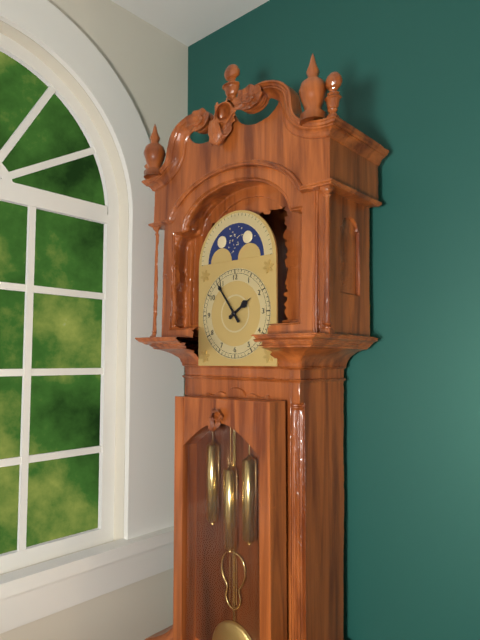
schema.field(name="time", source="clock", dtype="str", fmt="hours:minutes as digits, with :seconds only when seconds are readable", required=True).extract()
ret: 1:54
